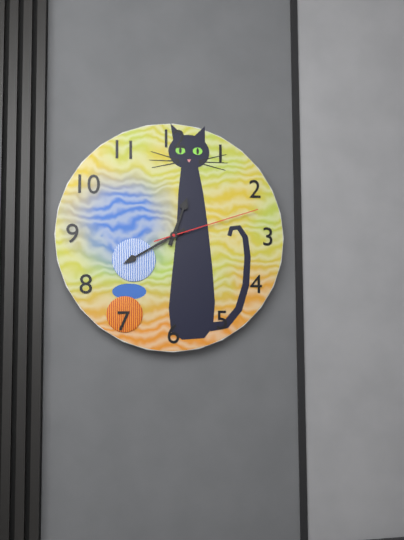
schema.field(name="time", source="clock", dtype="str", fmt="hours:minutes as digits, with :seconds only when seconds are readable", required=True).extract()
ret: 12:40:12
